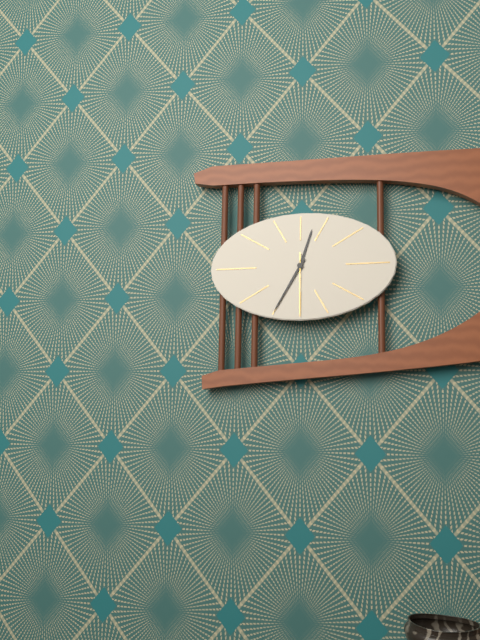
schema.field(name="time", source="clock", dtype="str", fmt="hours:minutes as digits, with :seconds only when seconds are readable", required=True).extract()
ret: 12:35:30
